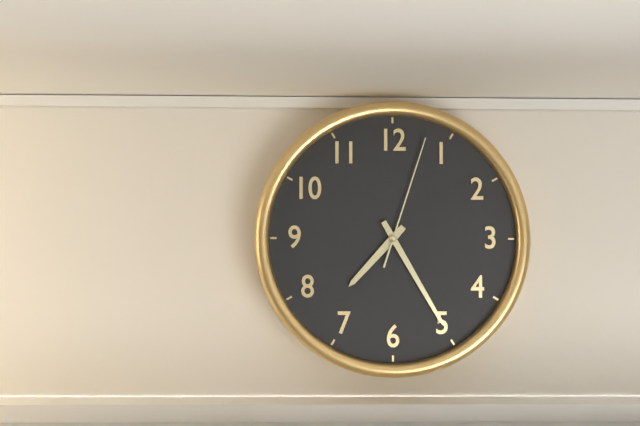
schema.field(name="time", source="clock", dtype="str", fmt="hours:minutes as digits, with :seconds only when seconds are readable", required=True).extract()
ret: 7:25:03
